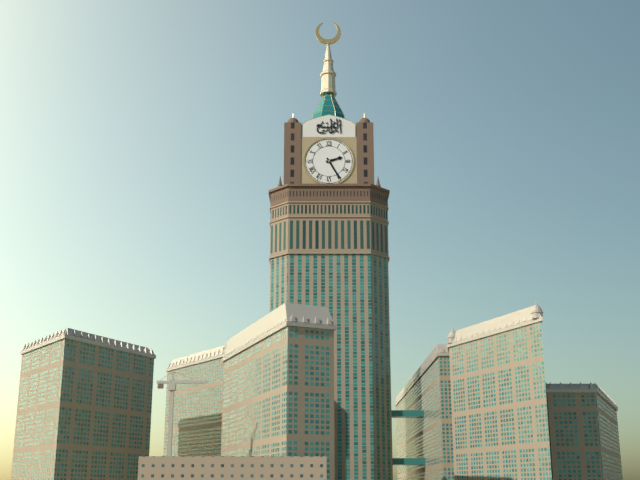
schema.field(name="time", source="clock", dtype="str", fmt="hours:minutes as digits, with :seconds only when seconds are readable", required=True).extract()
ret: 2:25
